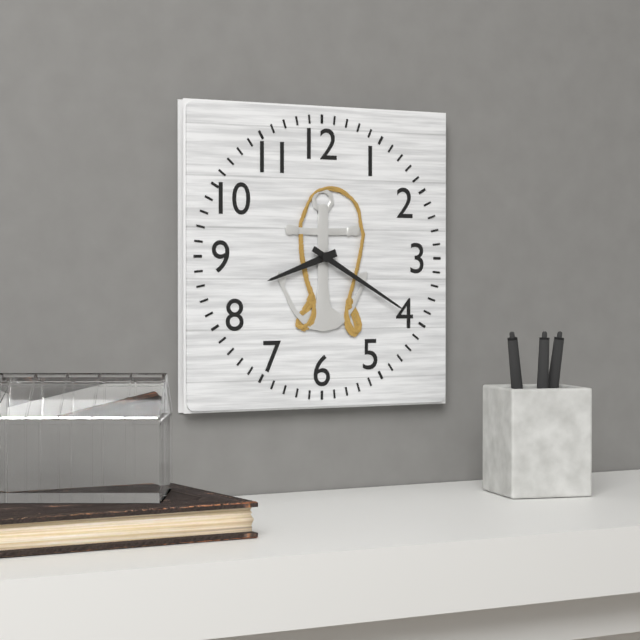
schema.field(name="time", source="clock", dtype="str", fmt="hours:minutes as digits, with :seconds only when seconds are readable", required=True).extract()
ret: 8:20
